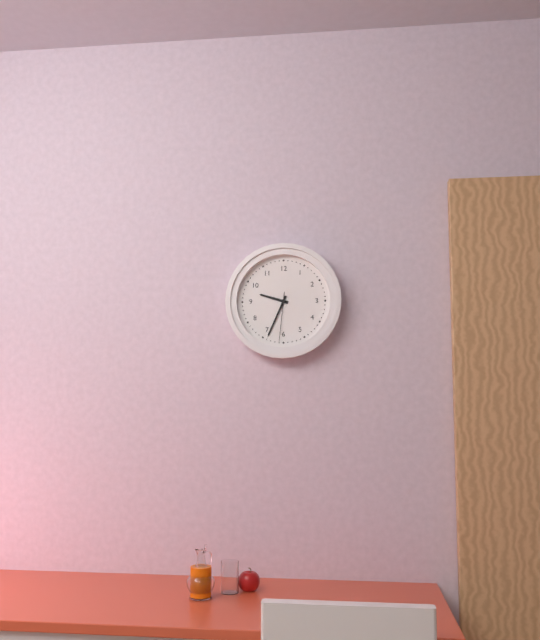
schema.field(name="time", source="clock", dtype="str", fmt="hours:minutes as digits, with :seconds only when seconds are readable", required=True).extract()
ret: 9:34:31
